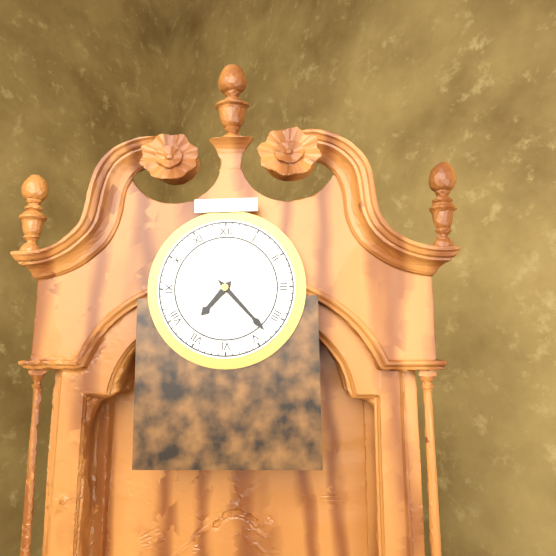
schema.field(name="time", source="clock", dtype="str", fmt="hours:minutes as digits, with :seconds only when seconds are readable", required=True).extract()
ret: 7:23
